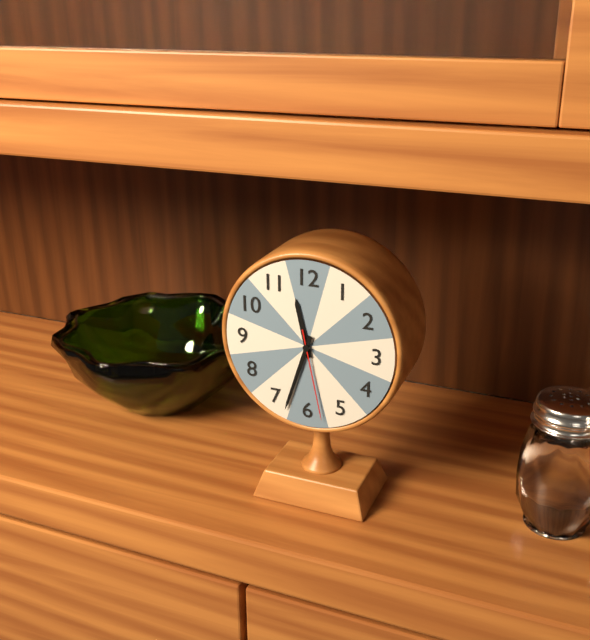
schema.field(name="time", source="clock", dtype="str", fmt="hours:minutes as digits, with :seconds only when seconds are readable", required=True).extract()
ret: 11:33:28
